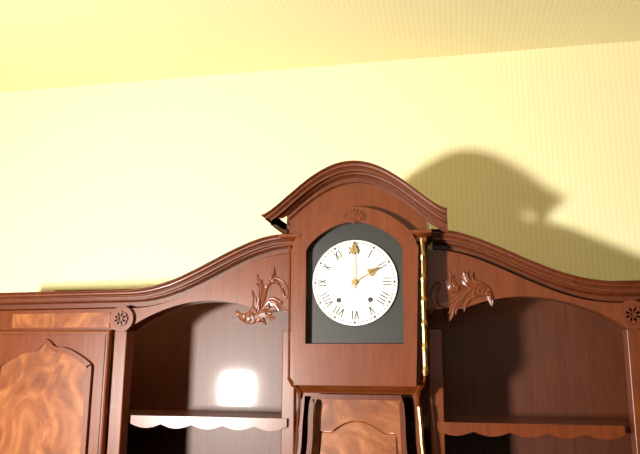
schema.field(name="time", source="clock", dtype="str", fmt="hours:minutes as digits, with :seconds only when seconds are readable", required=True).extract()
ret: 2:00
